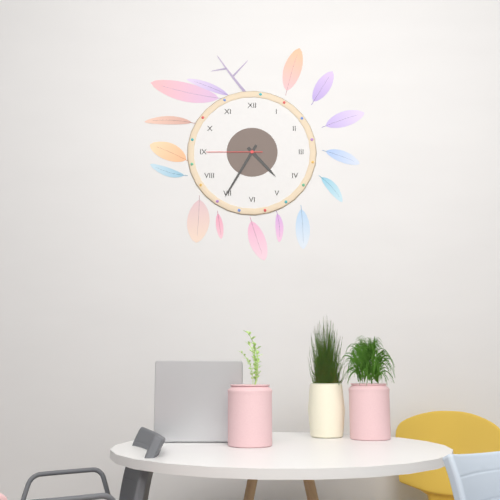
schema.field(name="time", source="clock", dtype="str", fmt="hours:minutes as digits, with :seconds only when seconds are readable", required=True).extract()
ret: 4:35:45
